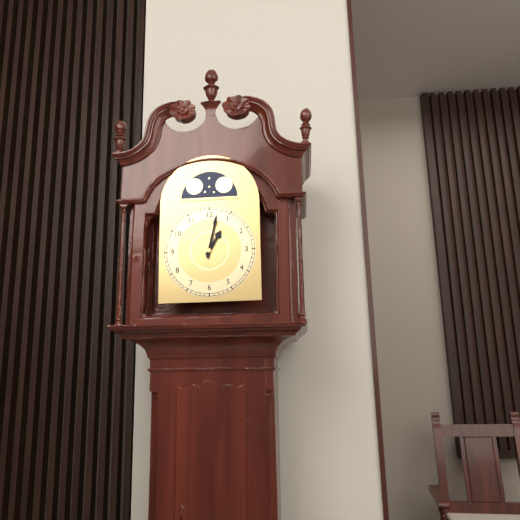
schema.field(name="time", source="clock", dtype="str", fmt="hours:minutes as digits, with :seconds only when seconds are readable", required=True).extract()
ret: 1:02
